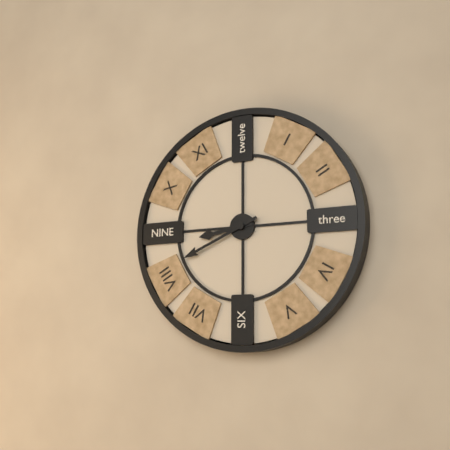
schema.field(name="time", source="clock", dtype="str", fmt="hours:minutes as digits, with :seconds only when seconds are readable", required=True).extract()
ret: 8:41
